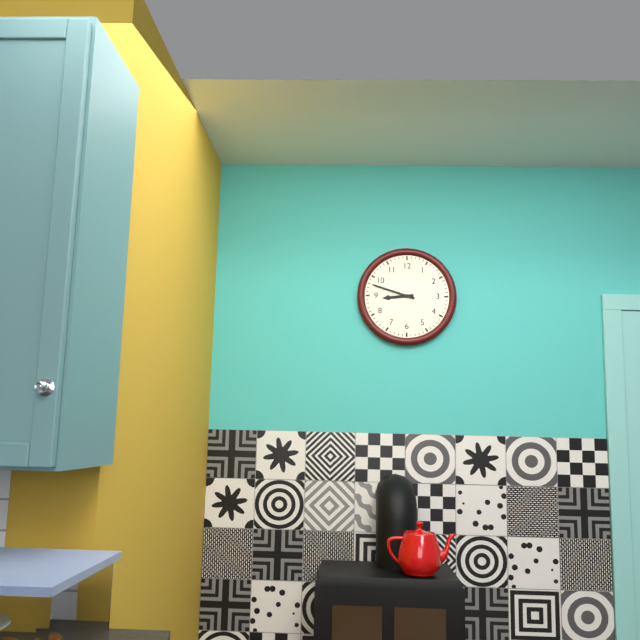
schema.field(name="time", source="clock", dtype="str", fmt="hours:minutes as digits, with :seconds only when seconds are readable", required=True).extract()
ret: 8:48
